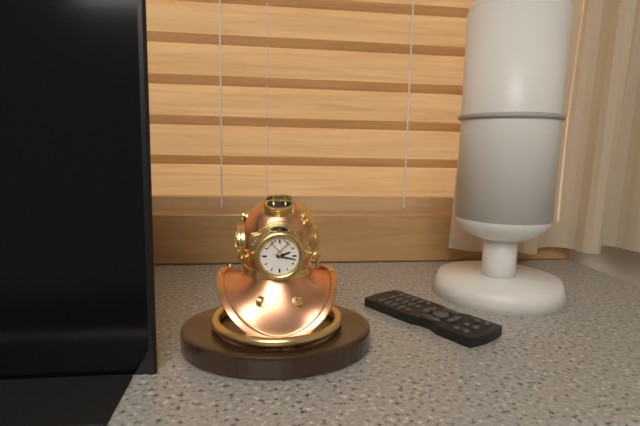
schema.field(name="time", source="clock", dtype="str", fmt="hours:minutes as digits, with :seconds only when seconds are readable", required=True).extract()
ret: 2:17
